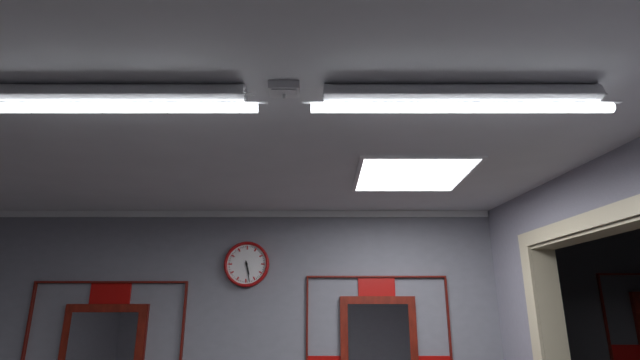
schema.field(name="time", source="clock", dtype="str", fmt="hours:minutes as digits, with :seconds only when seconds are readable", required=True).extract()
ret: 5:28
